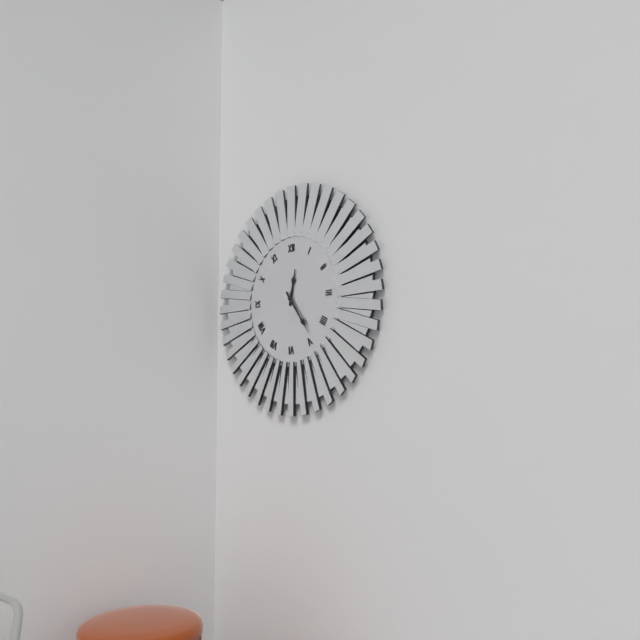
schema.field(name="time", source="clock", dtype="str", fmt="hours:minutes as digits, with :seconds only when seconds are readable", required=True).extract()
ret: 12:24
